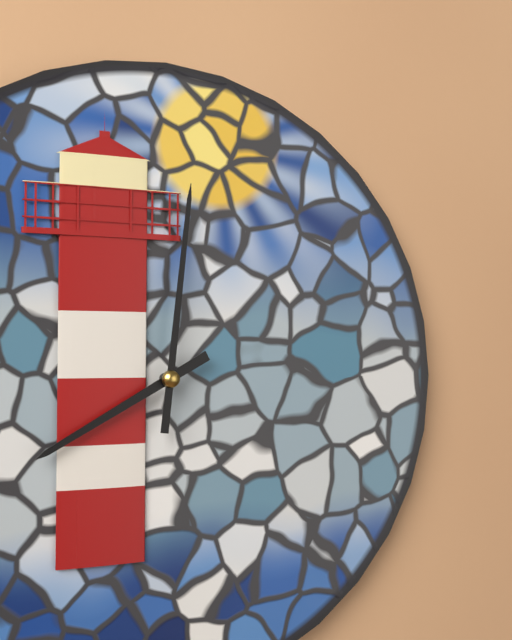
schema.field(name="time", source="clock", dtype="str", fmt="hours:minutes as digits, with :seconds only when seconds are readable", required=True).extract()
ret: 8:01
